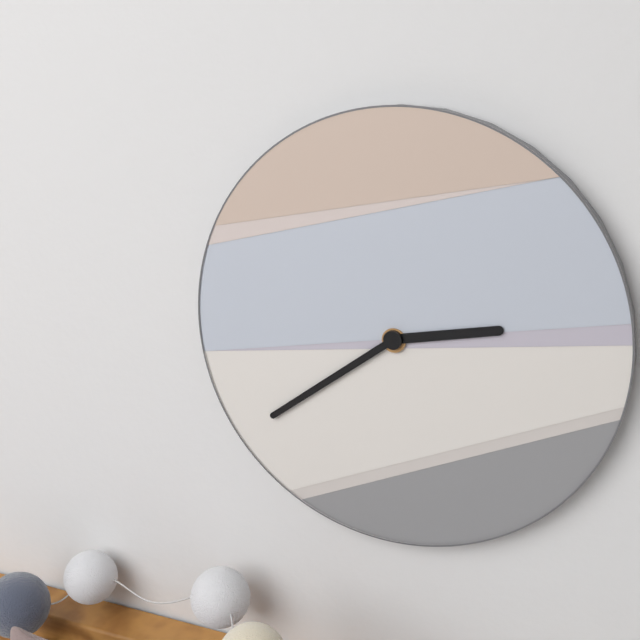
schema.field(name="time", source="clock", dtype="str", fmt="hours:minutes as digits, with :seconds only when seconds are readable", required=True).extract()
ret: 2:39
